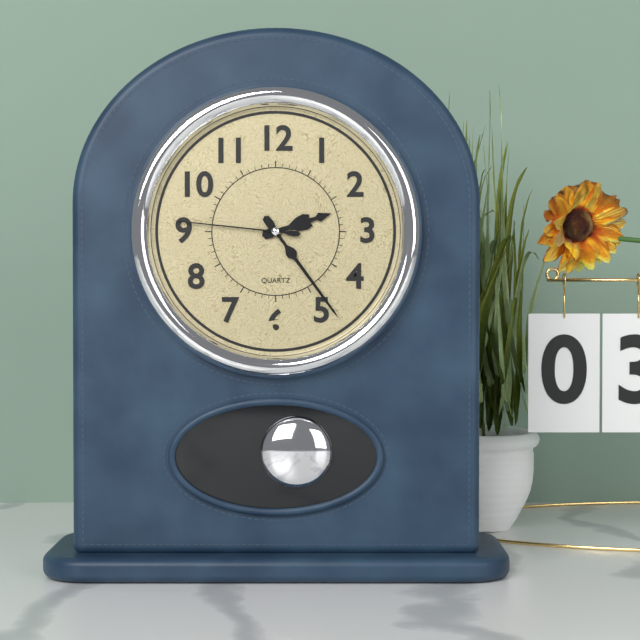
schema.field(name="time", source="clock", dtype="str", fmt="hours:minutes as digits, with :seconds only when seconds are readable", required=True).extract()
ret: 2:24:46
